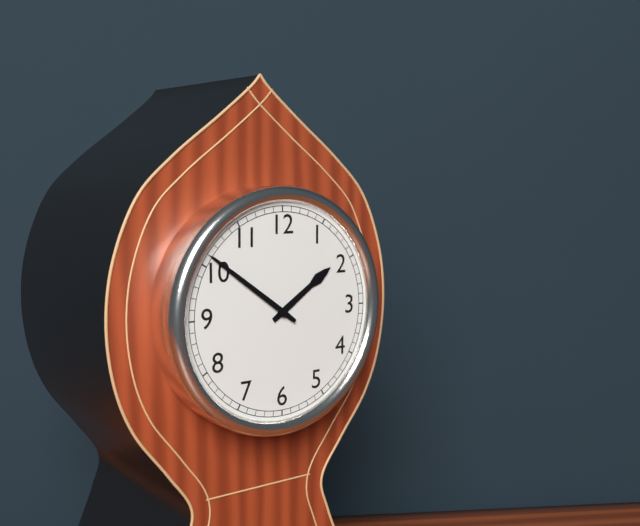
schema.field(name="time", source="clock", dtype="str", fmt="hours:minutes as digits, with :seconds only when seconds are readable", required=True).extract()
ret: 1:51
